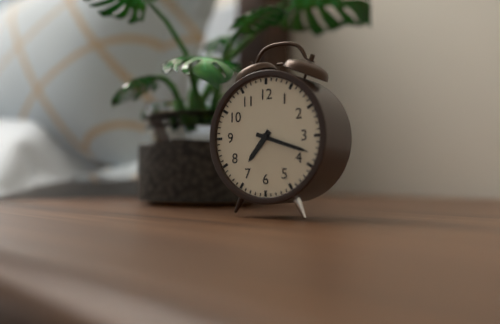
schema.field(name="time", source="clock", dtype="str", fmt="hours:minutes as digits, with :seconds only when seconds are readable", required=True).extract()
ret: 7:18
